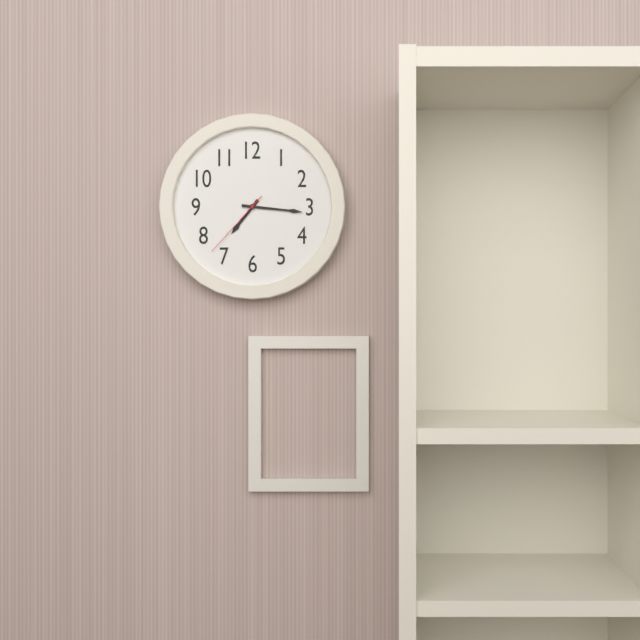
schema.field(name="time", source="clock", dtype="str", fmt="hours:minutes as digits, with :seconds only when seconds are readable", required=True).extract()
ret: 7:16:37
